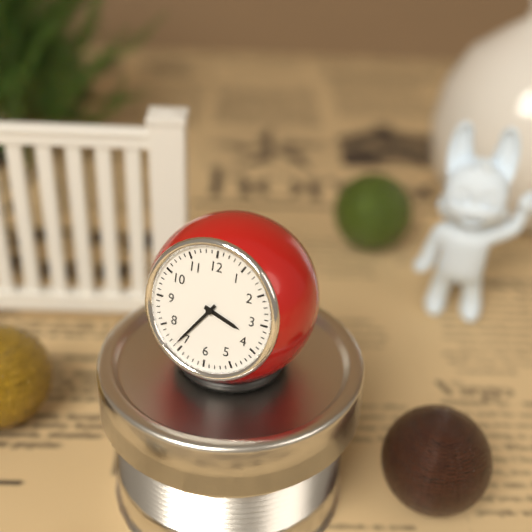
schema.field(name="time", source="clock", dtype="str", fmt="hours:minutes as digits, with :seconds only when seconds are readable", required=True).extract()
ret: 3:36
